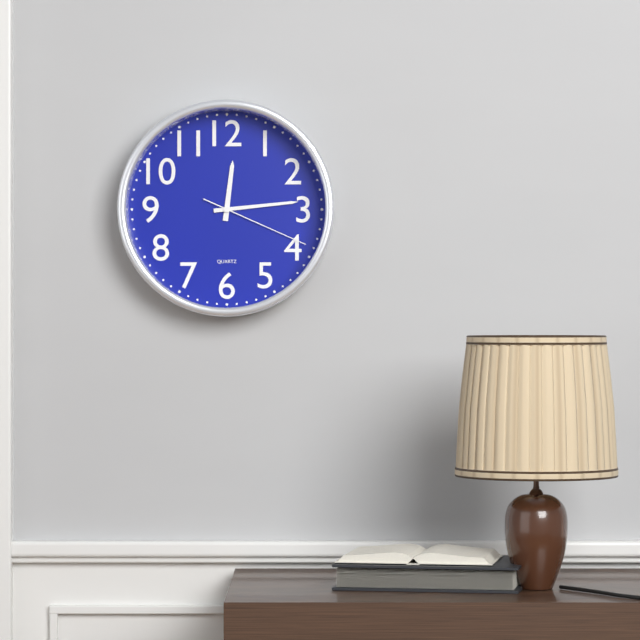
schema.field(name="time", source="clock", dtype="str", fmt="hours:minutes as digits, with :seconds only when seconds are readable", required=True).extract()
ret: 12:14:19
